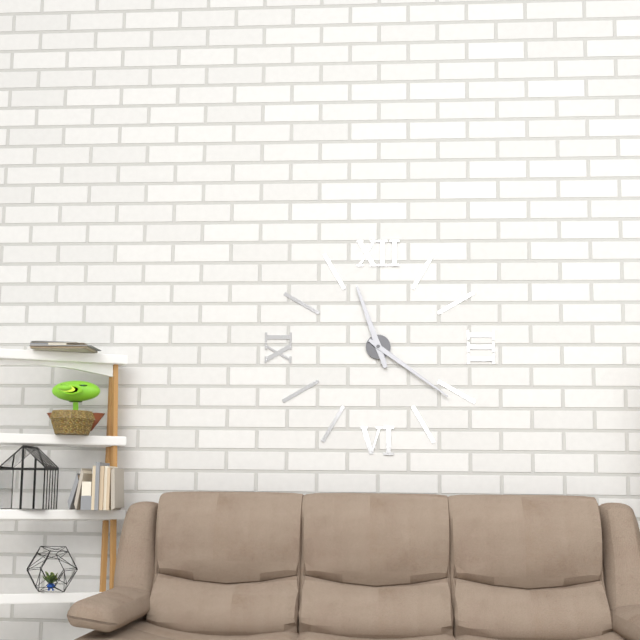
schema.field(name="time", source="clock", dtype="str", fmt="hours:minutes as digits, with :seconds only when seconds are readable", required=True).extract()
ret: 11:21
